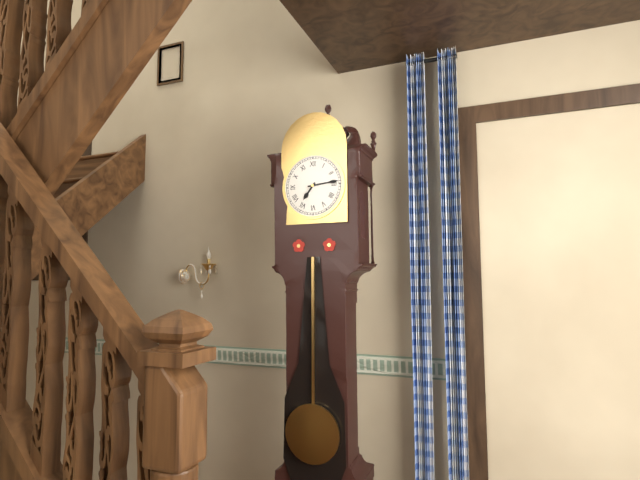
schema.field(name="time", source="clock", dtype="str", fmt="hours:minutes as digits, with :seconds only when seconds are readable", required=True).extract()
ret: 7:14
